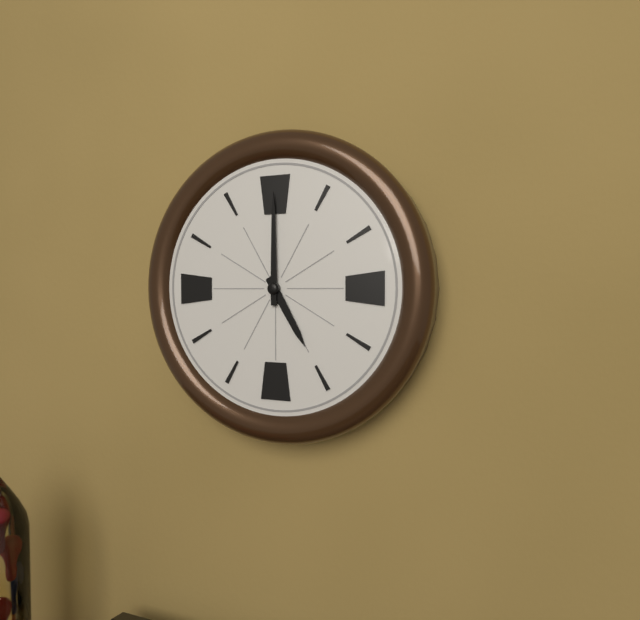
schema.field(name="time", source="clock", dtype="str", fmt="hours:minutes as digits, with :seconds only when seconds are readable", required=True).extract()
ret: 5:00
